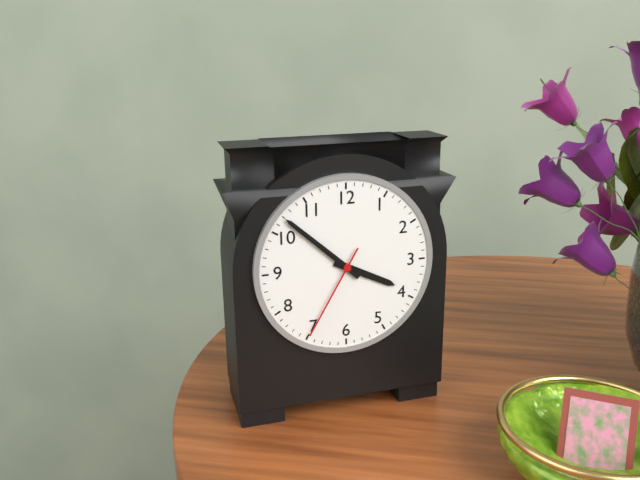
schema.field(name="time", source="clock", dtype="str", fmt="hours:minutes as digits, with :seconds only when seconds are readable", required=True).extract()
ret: 3:52:35
